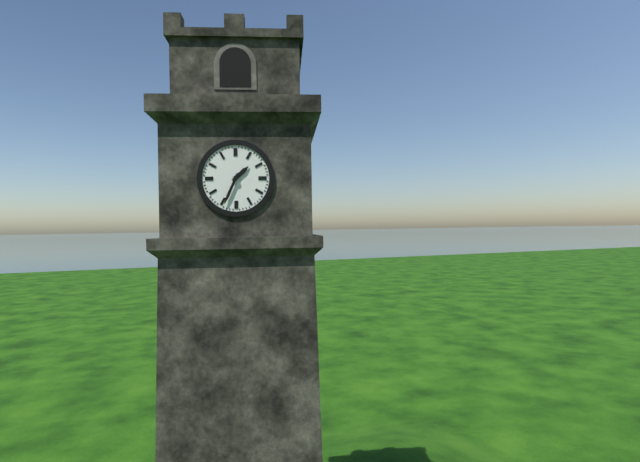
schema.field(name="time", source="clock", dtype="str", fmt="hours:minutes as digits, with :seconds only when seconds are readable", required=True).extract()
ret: 1:34
